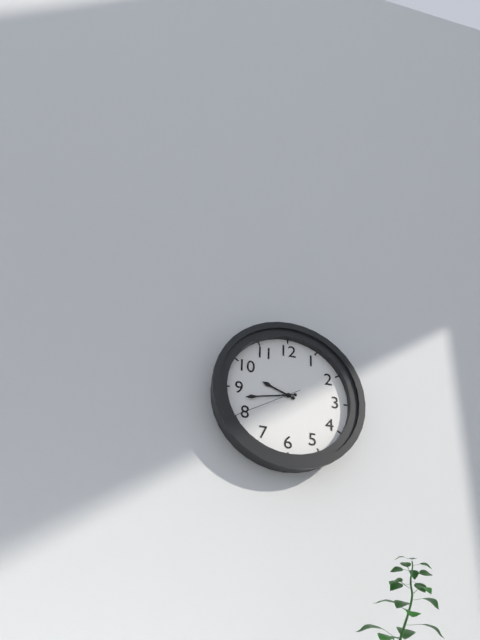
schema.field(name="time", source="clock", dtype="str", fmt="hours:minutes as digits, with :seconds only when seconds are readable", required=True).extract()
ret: 9:43:40
